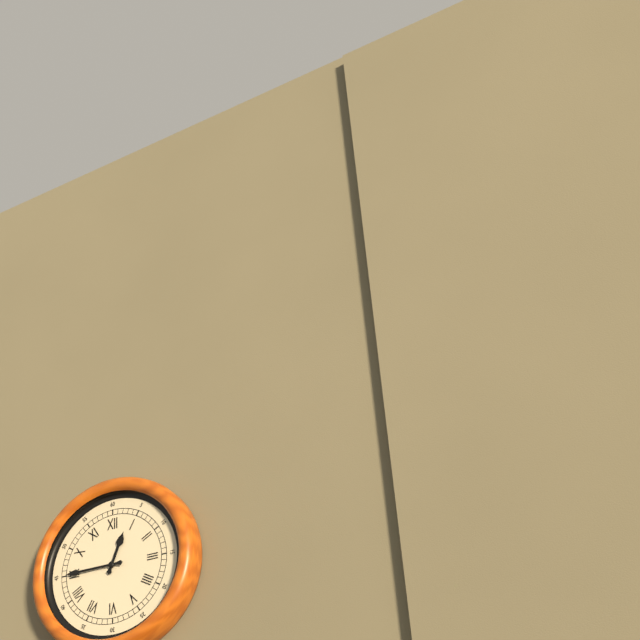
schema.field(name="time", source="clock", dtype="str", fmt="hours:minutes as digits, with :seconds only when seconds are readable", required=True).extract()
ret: 12:45
